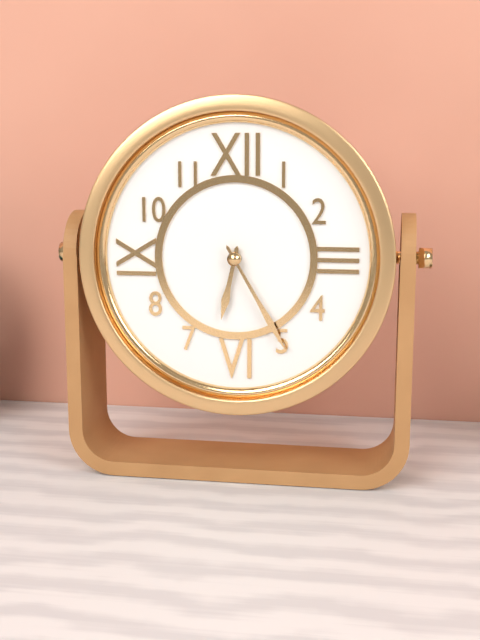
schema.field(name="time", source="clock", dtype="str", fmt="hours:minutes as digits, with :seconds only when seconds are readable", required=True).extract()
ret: 6:25
